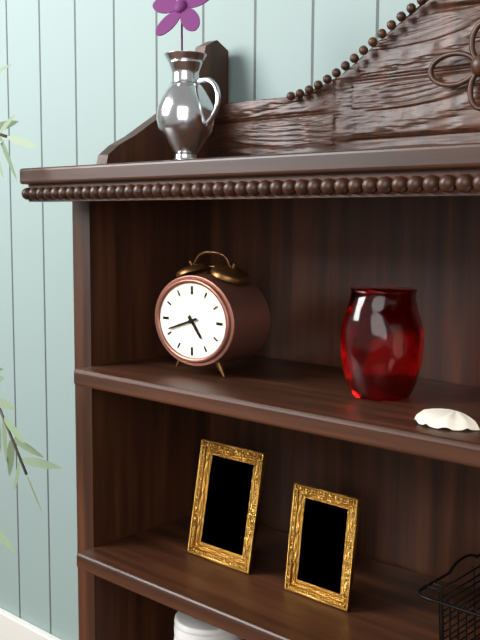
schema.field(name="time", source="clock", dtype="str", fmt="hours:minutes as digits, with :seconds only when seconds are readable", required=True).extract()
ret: 4:42
